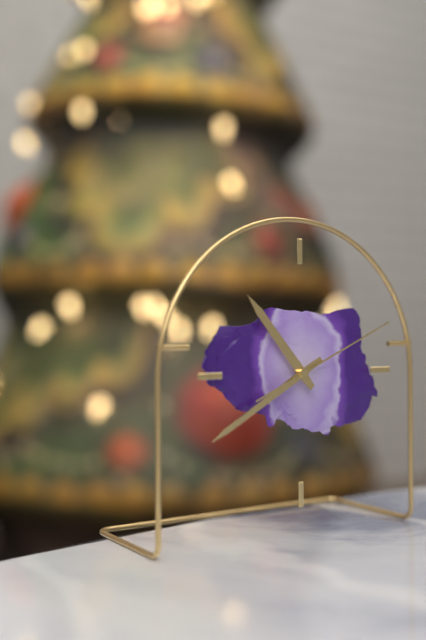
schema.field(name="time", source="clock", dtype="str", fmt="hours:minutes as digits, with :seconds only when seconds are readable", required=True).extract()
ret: 10:40:11
